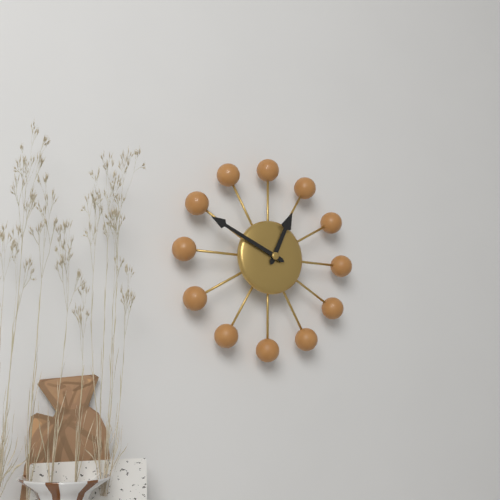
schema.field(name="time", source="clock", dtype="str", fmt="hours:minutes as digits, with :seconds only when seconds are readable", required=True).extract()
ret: 12:49
